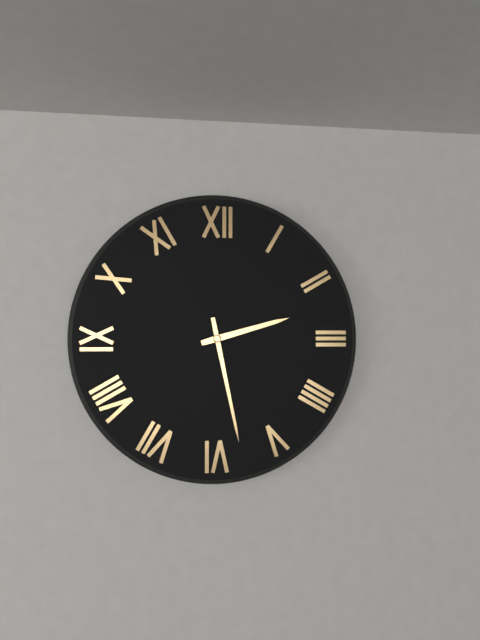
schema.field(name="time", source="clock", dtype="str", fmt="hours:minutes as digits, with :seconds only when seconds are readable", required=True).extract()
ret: 2:28
